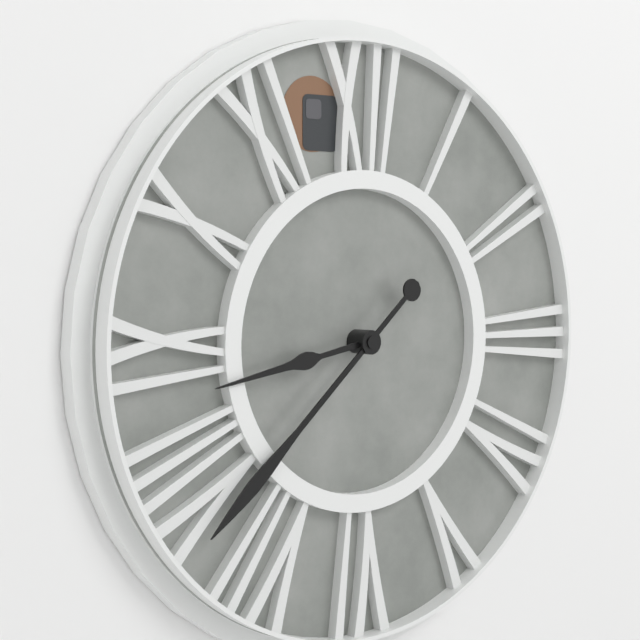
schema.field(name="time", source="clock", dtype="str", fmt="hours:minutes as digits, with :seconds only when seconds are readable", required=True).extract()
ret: 8:38
